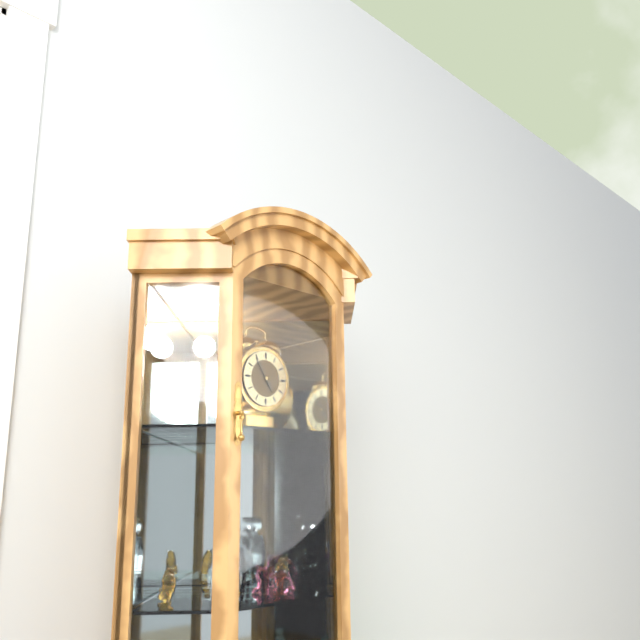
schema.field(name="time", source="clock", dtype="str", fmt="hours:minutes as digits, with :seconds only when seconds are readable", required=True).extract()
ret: 4:54
